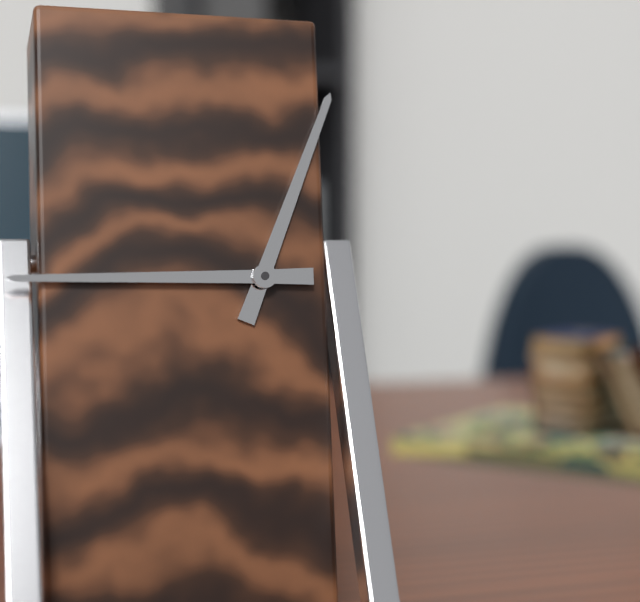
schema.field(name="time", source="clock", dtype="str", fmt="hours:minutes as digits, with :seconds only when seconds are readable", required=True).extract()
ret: 12:45
